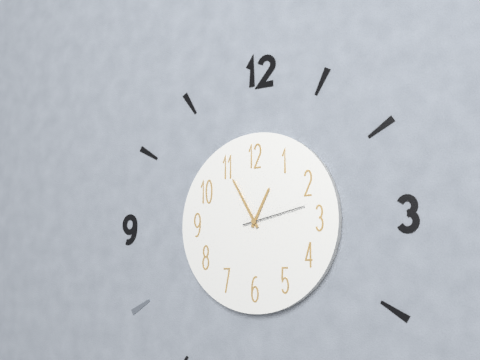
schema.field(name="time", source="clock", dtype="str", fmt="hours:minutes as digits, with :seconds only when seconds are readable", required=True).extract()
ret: 12:55:13
